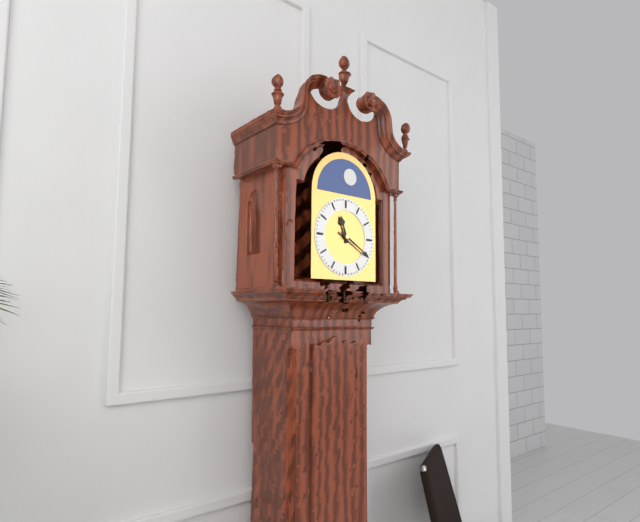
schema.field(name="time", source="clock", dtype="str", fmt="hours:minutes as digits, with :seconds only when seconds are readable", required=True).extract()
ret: 11:20
